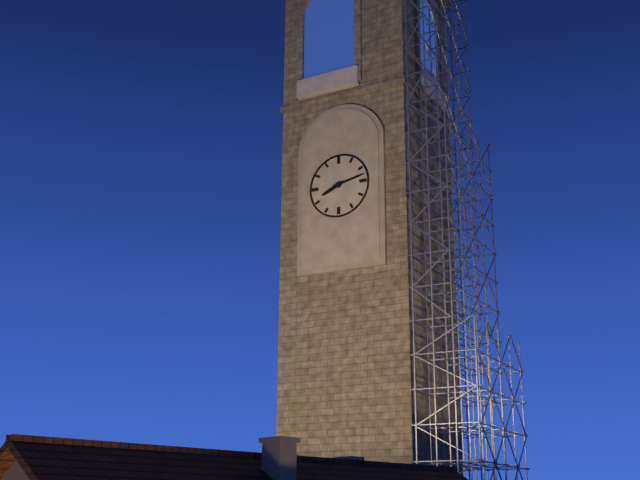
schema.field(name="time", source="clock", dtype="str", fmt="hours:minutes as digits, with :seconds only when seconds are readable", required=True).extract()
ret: 8:13
